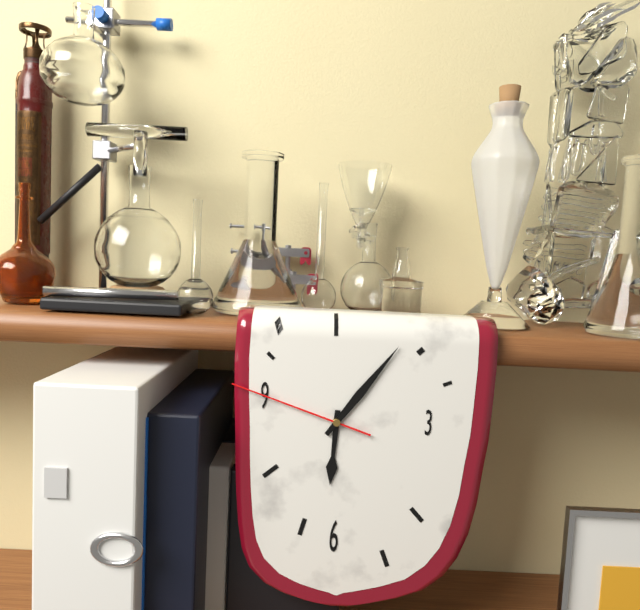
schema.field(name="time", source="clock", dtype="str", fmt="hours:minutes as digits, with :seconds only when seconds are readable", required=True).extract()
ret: 6:06:48
